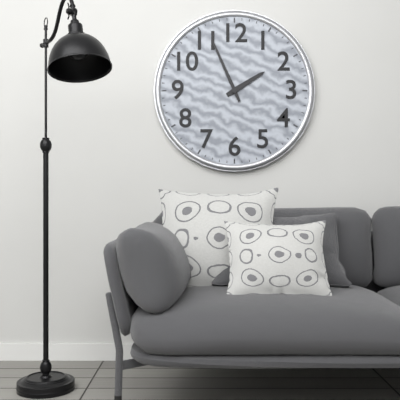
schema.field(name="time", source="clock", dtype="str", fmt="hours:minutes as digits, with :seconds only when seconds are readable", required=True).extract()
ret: 1:56
